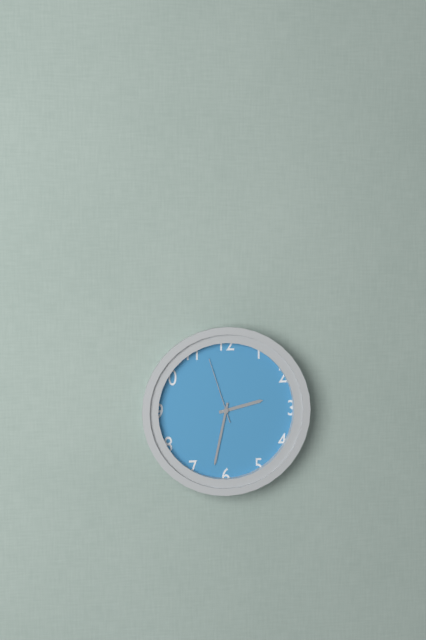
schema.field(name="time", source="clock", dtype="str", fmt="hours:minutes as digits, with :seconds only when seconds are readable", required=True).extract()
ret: 2:32:57
